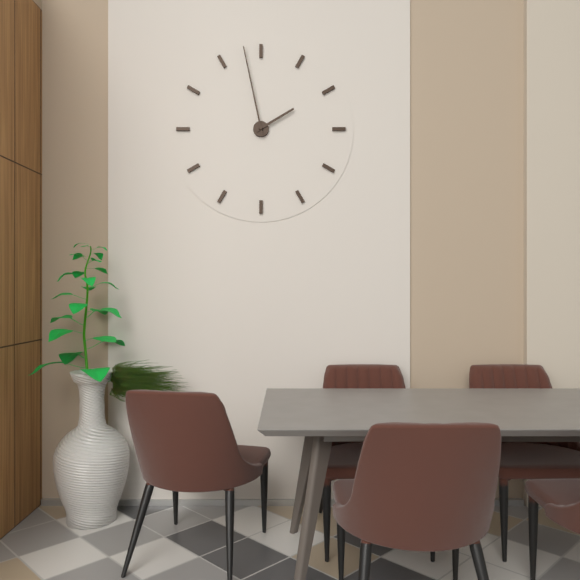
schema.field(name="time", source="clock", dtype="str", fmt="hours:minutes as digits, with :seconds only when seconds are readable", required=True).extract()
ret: 1:58
